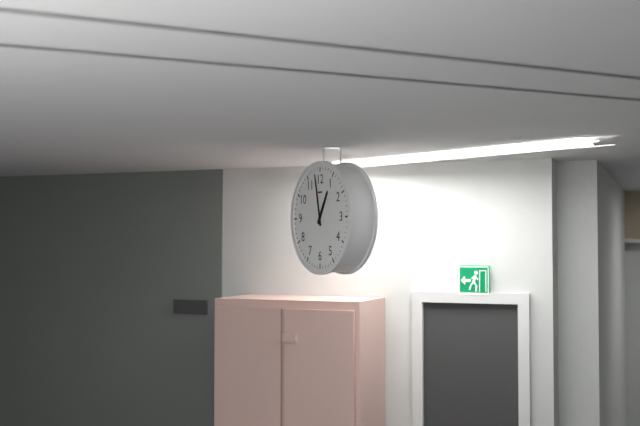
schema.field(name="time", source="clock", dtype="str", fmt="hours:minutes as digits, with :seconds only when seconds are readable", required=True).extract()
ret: 12:58
